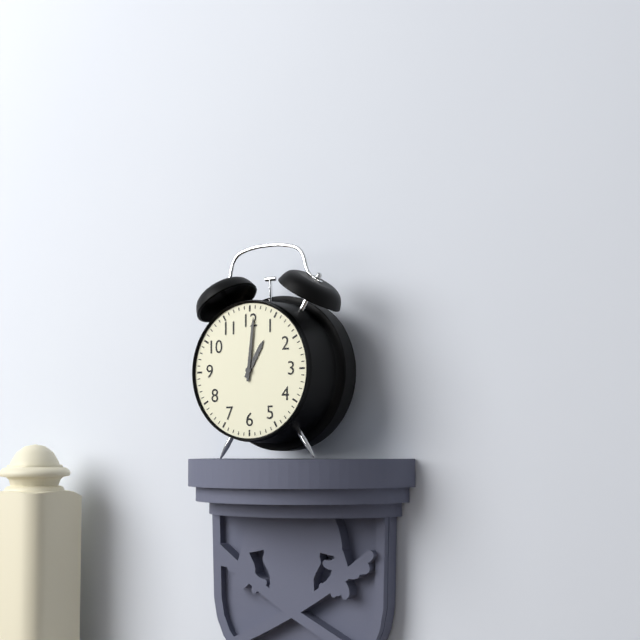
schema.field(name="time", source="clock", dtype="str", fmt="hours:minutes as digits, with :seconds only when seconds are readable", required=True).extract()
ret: 1:01
